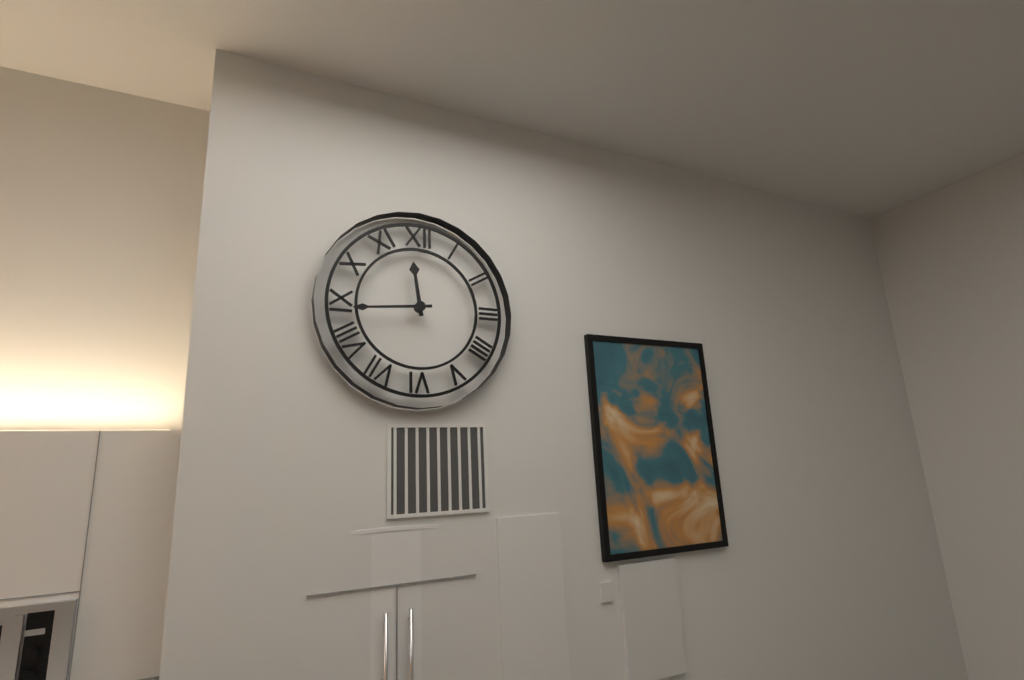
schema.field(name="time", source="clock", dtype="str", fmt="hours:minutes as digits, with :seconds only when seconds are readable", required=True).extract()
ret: 11:44
